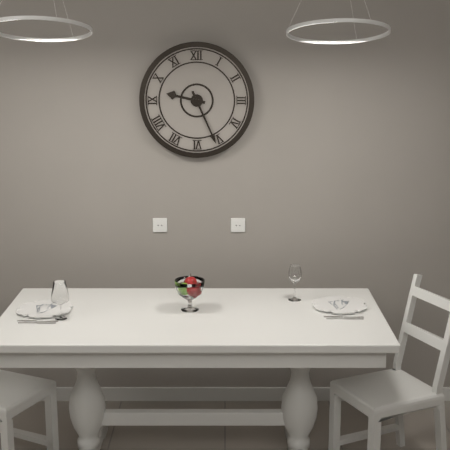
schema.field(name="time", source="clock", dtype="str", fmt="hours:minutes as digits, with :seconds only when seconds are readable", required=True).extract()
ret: 9:26
